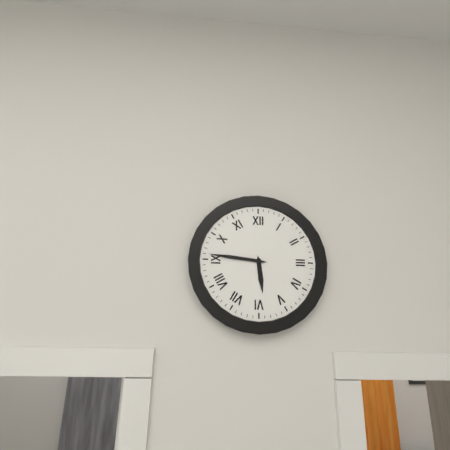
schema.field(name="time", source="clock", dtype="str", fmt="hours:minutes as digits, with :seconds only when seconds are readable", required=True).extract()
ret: 5:46
